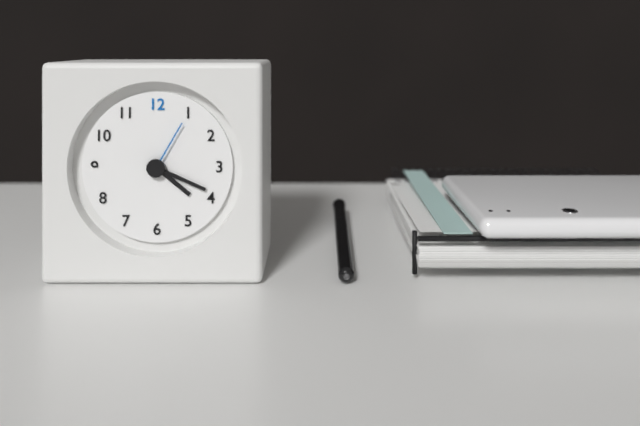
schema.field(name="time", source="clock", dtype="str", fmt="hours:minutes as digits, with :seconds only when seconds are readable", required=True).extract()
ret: 4:19:05
